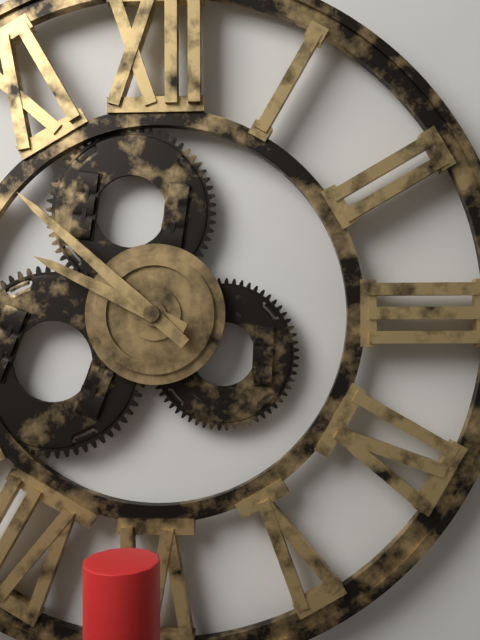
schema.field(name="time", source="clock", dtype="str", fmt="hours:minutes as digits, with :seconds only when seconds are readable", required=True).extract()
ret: 9:52
